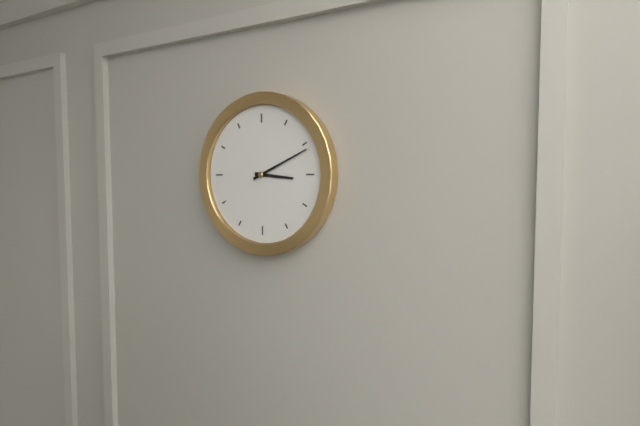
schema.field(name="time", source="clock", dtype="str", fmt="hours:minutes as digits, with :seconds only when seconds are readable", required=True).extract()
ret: 3:11
